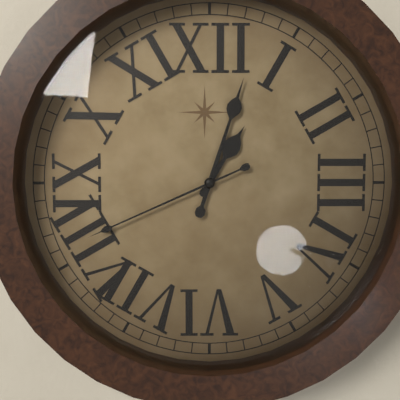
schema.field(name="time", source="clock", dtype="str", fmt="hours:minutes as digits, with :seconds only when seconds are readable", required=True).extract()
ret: 1:03:41
